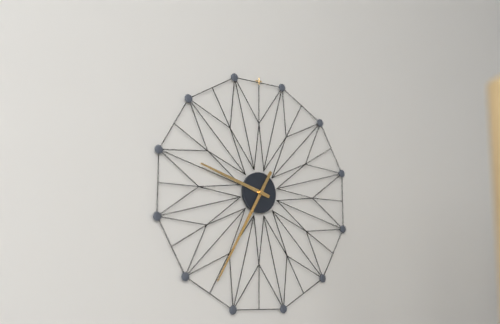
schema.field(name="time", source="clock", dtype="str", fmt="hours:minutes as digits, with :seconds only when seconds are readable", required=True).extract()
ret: 9:35
